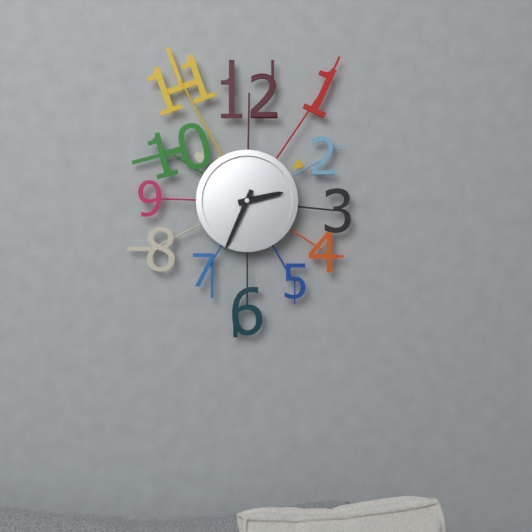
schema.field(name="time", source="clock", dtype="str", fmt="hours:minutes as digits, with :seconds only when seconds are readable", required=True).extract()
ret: 2:34
